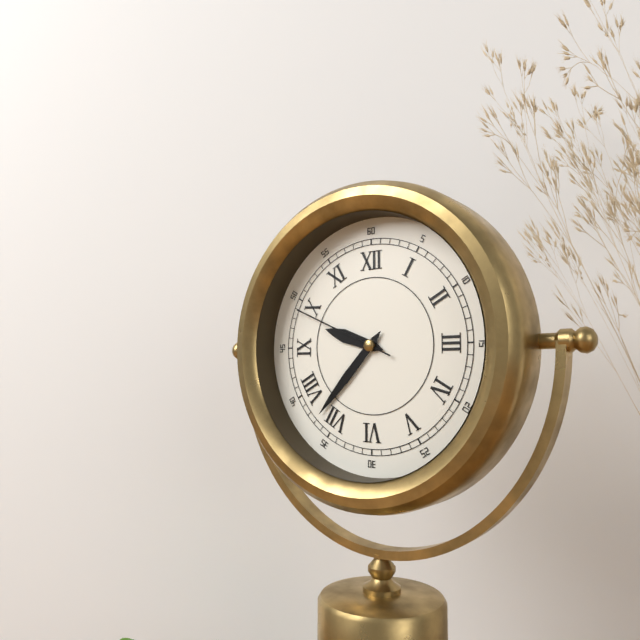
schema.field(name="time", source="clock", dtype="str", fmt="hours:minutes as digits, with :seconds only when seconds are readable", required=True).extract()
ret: 9:37:49
